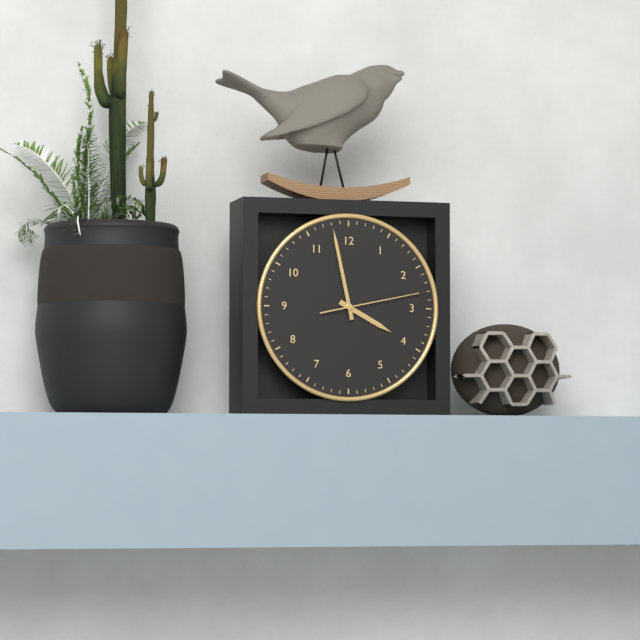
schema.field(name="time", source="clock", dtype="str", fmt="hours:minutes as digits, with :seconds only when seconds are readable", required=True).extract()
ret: 3:58:13
